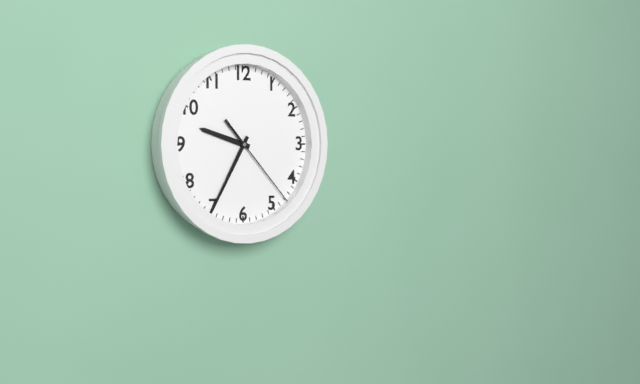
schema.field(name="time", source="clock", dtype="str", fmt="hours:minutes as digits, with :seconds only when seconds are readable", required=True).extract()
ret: 9:35:23
